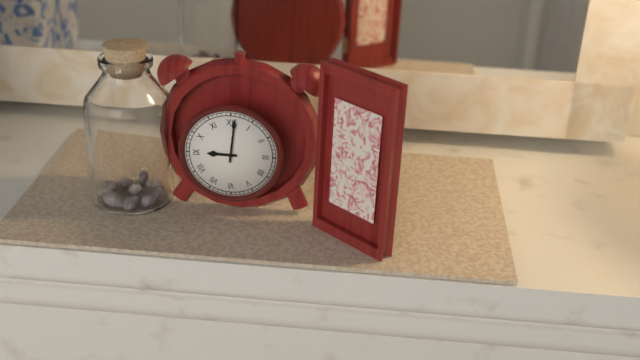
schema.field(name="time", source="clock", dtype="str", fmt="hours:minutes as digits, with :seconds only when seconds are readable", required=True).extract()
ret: 9:01
